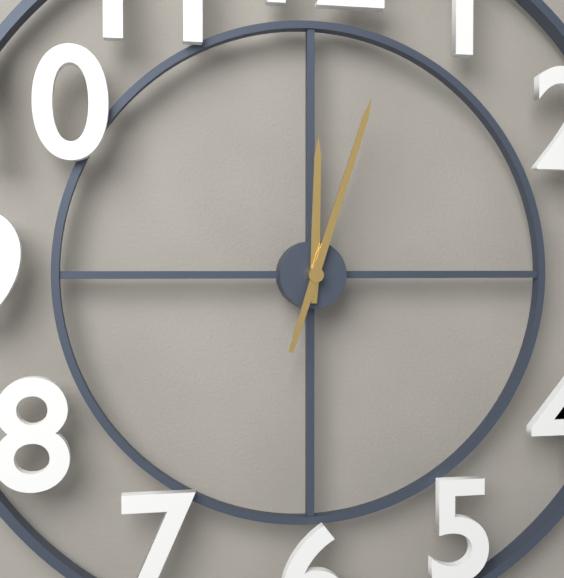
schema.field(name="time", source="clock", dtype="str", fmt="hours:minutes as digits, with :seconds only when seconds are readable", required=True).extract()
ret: 12:03
